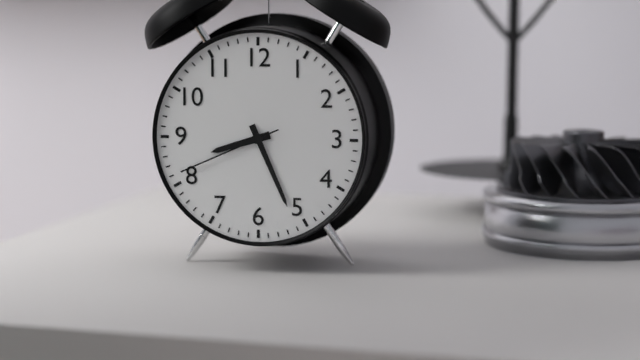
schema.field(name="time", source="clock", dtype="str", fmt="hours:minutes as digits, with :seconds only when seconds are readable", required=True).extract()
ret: 8:26:41
